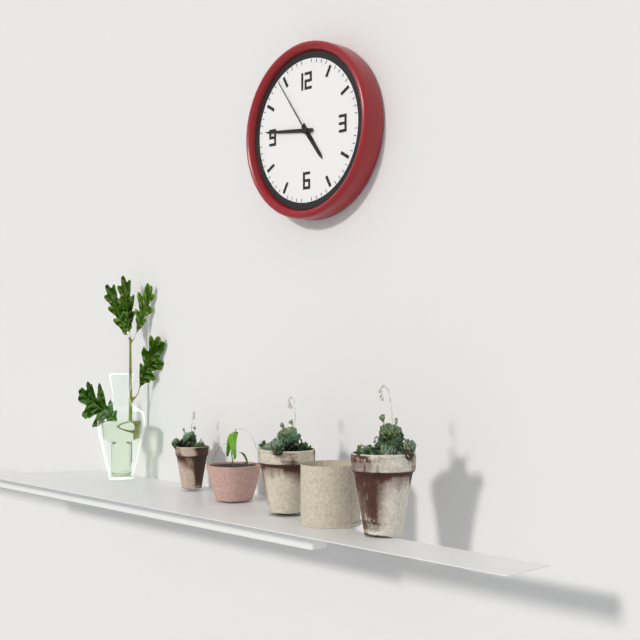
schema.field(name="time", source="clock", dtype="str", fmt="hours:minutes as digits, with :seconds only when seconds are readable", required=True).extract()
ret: 4:46:54
